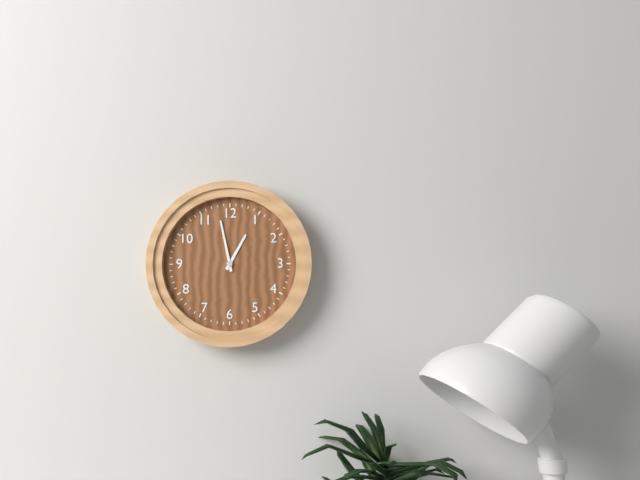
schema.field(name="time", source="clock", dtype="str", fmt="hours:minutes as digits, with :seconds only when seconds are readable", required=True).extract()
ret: 12:58
